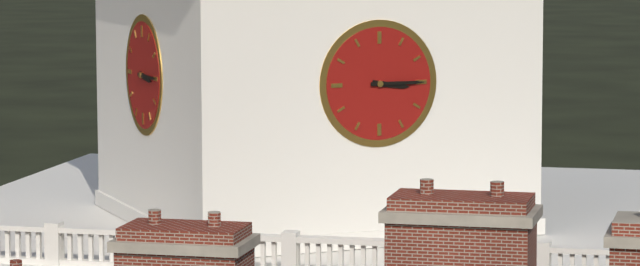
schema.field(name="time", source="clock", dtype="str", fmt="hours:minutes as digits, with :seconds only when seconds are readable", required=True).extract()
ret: 3:15
